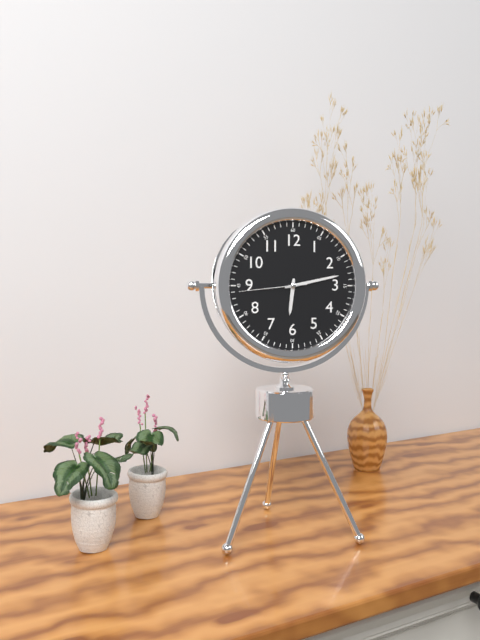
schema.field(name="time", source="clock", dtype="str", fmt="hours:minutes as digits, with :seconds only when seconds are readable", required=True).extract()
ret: 6:13:44
